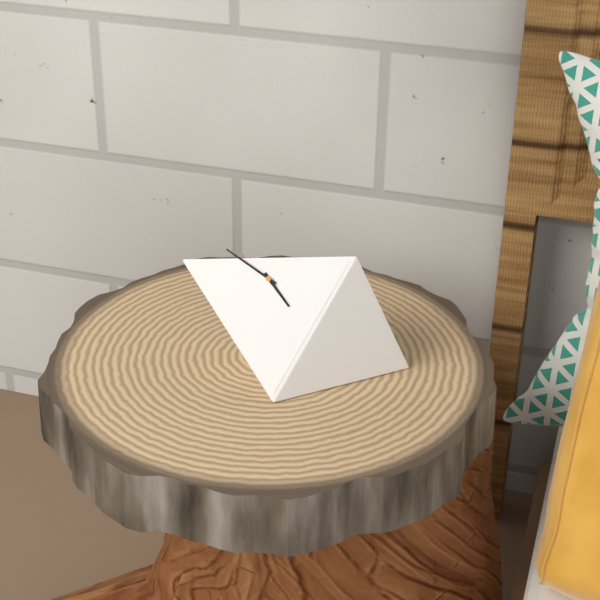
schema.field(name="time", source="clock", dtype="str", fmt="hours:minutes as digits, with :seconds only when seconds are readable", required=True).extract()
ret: 4:51
